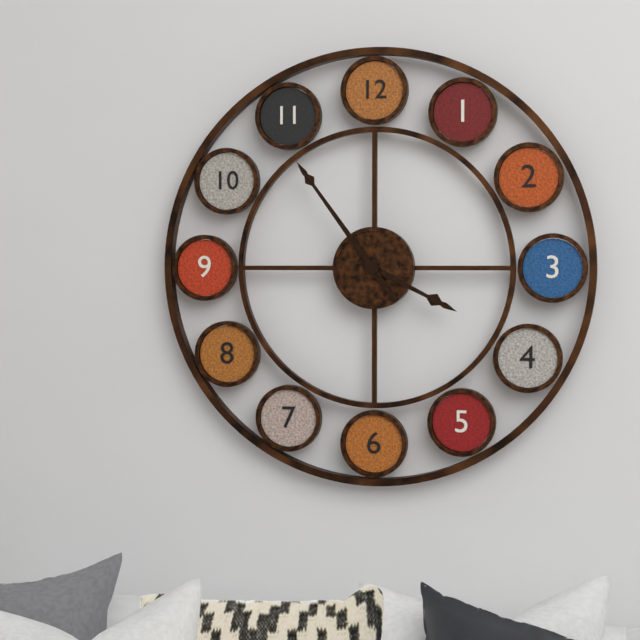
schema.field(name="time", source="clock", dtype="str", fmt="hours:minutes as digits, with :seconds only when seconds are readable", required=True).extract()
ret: 3:54
